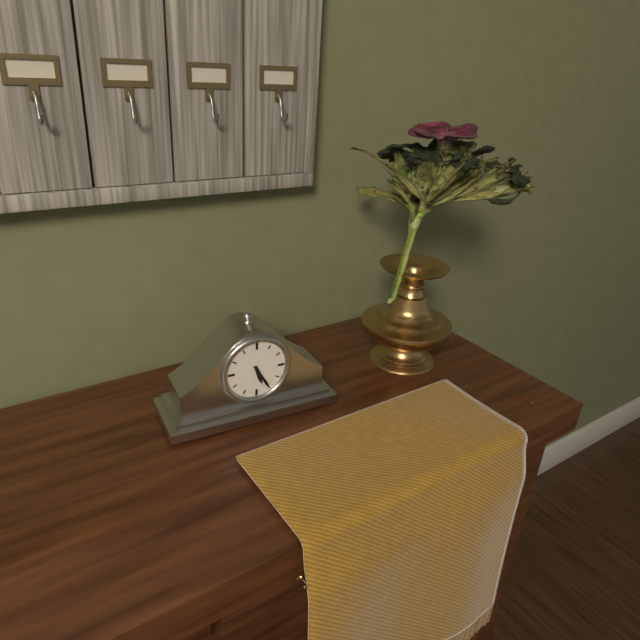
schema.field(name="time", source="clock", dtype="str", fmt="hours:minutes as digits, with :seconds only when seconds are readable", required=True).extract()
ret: 5:25
